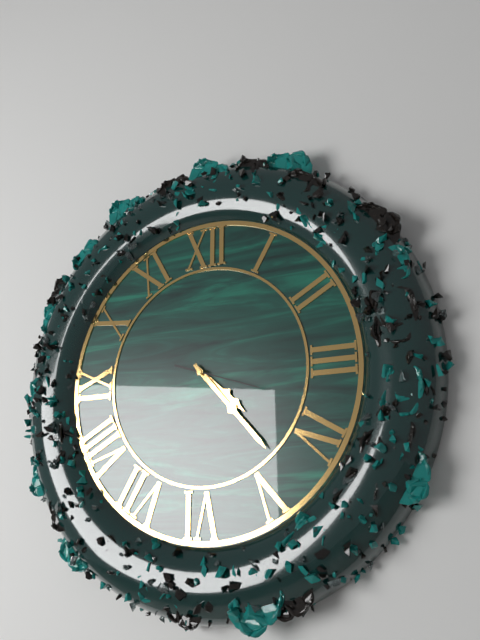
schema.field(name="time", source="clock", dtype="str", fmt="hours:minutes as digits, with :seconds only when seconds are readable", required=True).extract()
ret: 4:23:18
